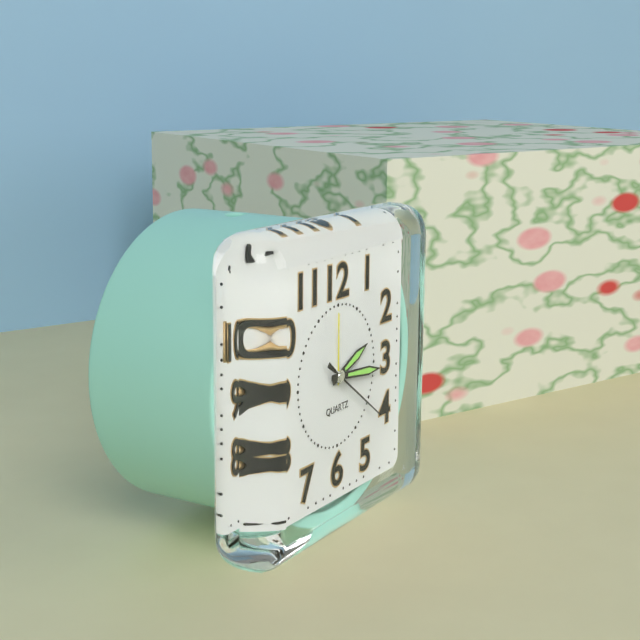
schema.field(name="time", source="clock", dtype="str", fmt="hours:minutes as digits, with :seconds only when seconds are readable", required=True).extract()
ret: 2:16:21
